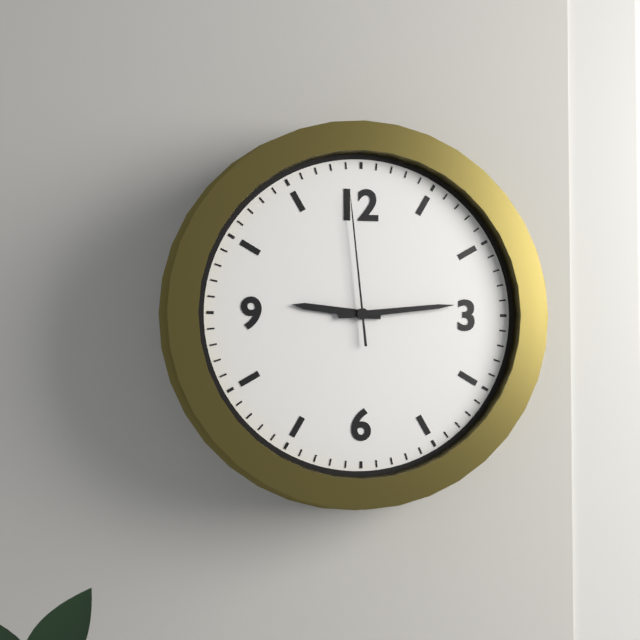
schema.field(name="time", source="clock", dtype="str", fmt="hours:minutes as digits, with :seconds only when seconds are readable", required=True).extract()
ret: 9:14:59
